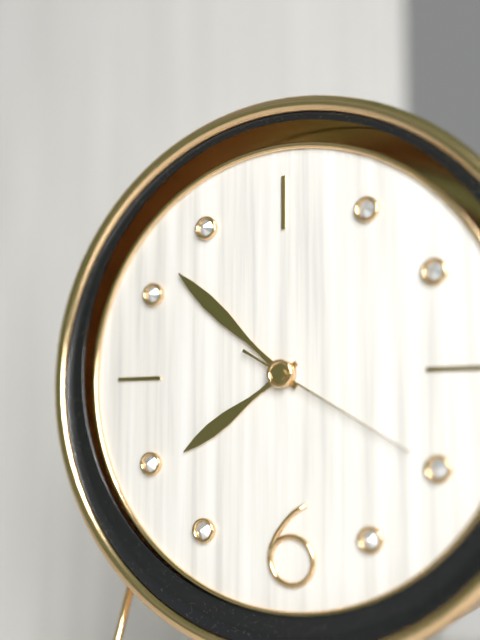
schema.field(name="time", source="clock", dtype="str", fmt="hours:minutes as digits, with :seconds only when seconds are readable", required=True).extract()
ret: 7:52:20
